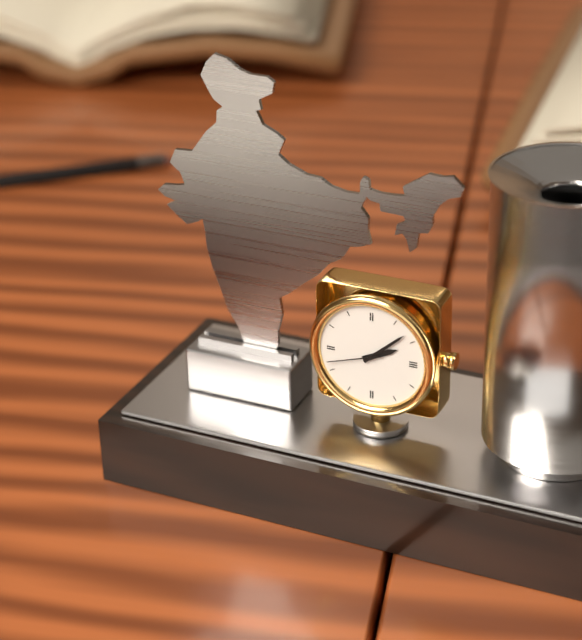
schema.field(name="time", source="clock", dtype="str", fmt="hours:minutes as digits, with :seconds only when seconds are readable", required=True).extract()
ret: 2:08:42
